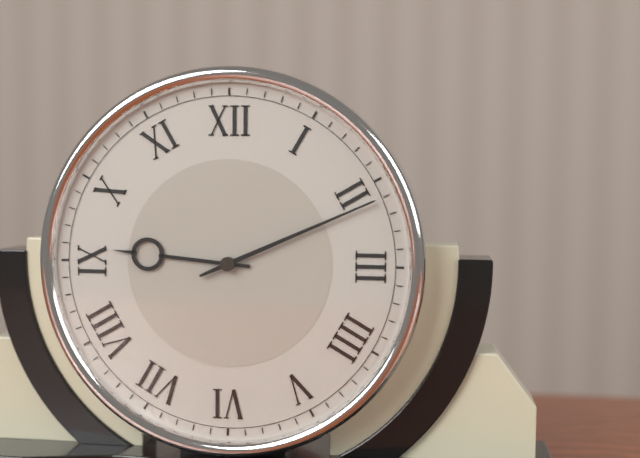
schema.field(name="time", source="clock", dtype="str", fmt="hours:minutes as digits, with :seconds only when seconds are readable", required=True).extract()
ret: 9:11
